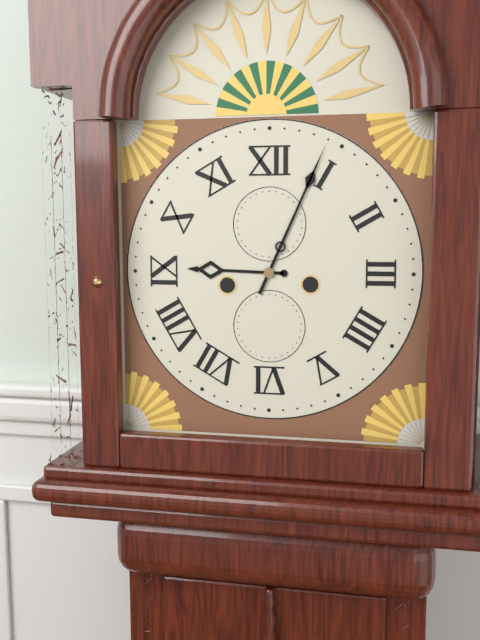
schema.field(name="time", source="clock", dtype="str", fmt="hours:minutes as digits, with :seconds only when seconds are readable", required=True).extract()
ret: 9:04
